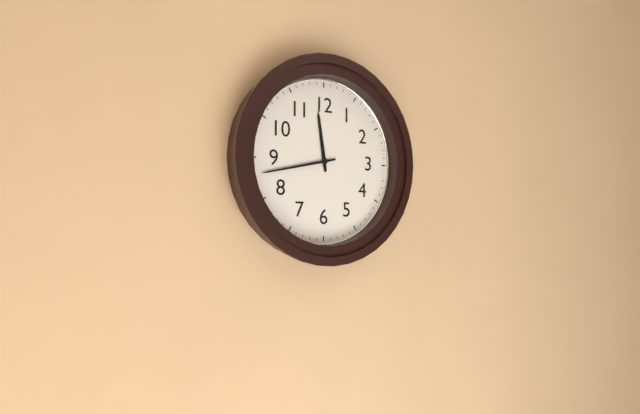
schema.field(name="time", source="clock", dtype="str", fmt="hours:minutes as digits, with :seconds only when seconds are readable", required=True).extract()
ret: 11:43
